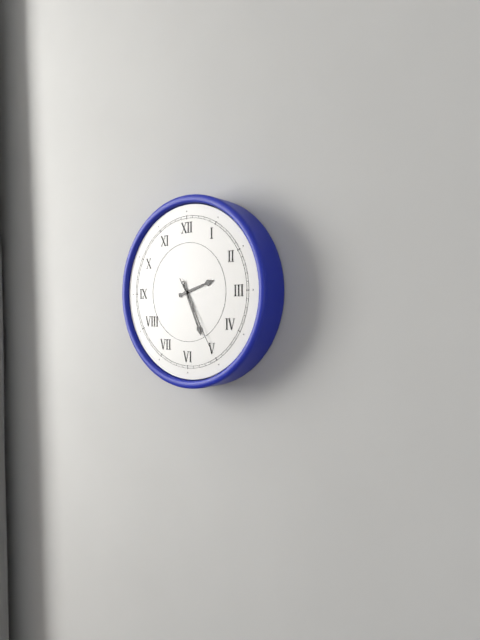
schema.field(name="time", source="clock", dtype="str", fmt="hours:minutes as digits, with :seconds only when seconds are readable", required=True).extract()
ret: 2:26:25
